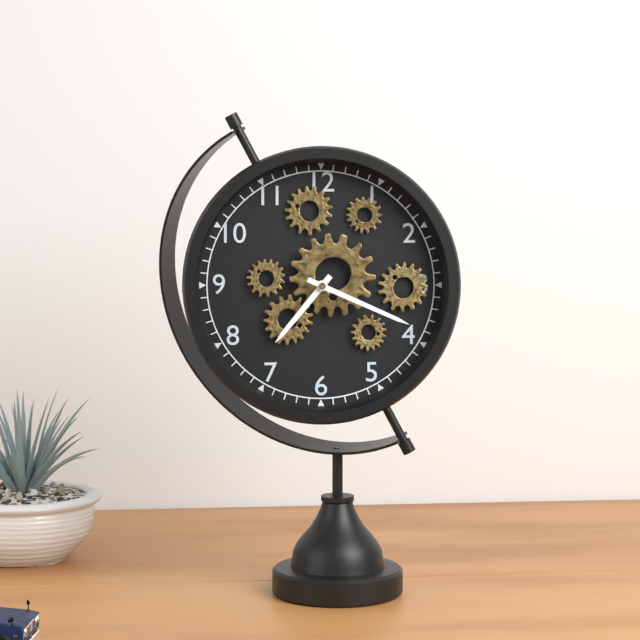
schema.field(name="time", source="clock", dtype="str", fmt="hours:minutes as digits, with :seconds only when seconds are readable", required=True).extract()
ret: 7:19
